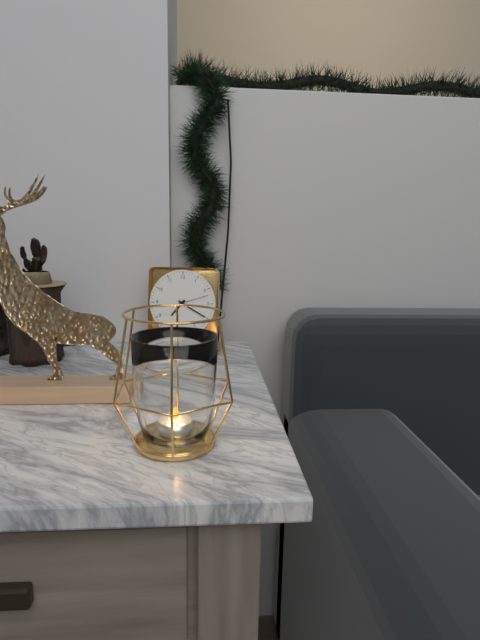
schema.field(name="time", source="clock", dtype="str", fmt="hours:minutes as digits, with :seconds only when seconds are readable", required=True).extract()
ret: 7:20
